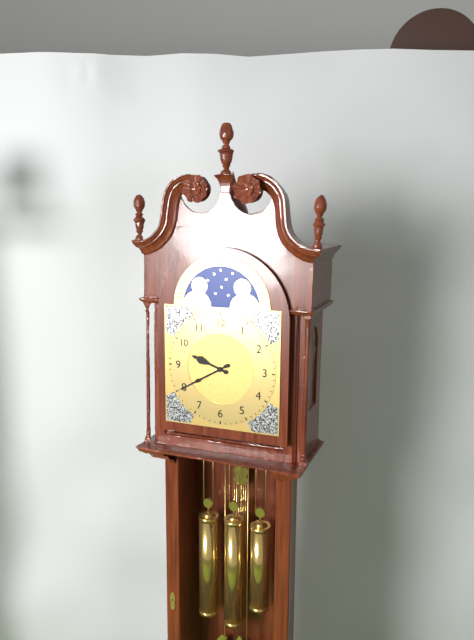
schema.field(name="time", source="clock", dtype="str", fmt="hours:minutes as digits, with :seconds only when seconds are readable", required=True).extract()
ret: 9:40
